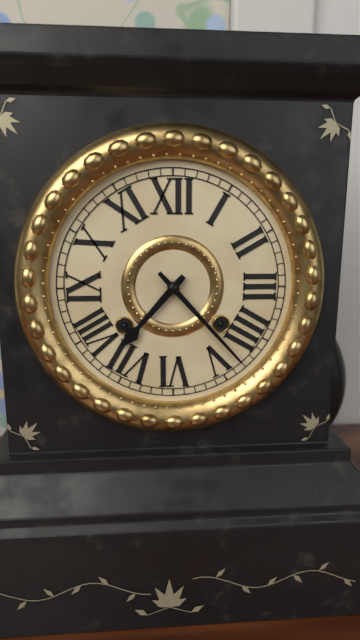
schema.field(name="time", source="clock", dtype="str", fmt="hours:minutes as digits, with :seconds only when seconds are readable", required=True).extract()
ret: 7:23
